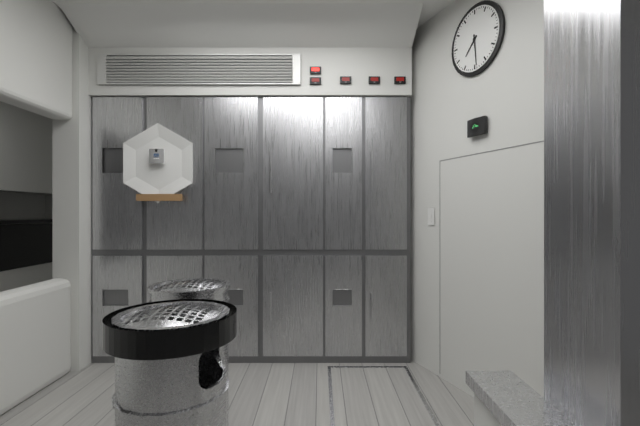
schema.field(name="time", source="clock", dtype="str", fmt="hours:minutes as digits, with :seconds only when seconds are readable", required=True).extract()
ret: 7:29
